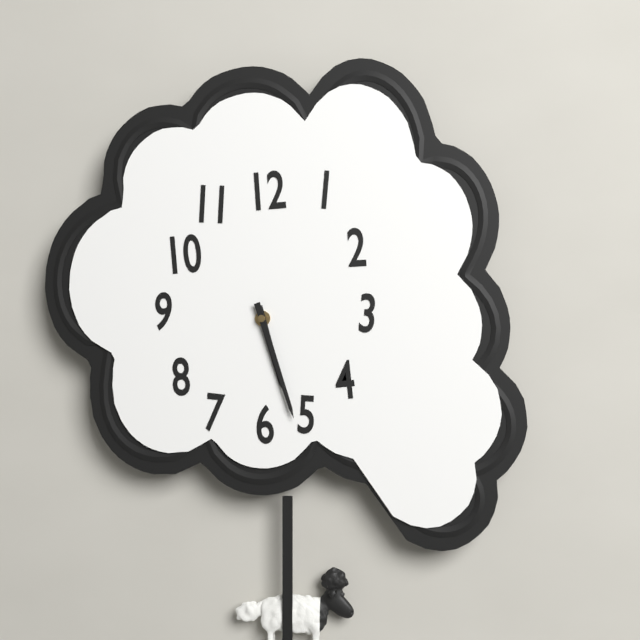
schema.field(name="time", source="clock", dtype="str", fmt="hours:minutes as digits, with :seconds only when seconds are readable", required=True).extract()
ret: 5:27
